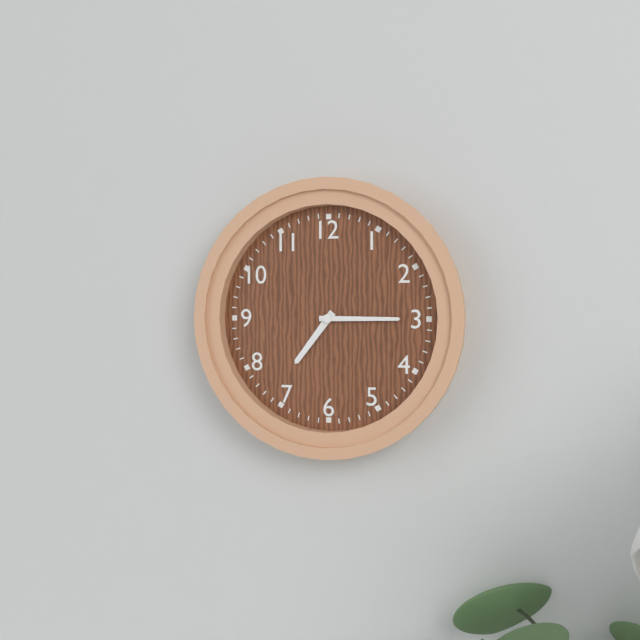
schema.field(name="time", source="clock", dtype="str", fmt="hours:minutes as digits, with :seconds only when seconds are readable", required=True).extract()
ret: 7:15
